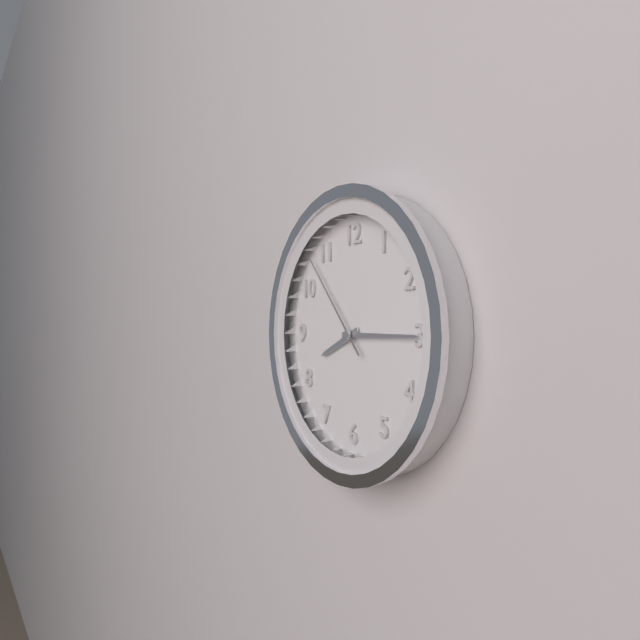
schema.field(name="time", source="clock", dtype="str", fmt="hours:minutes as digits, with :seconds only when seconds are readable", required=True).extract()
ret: 8:15:53
